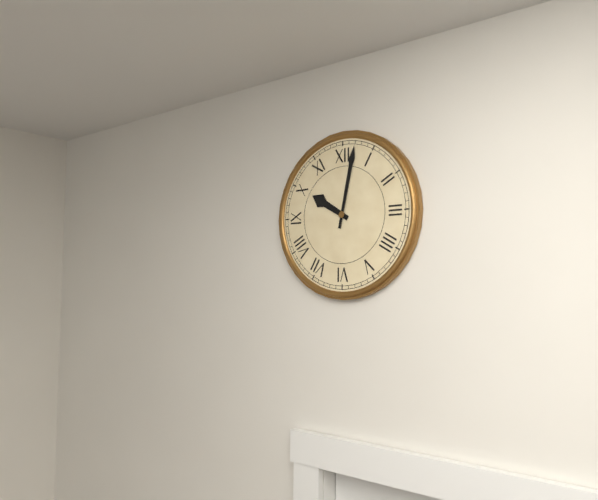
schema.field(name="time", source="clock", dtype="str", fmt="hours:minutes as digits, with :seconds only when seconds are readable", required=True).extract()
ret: 10:02
